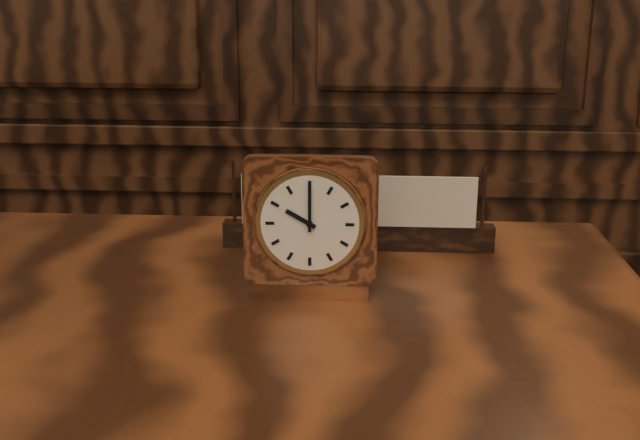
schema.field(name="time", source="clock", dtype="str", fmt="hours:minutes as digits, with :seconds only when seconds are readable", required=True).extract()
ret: 10:00
